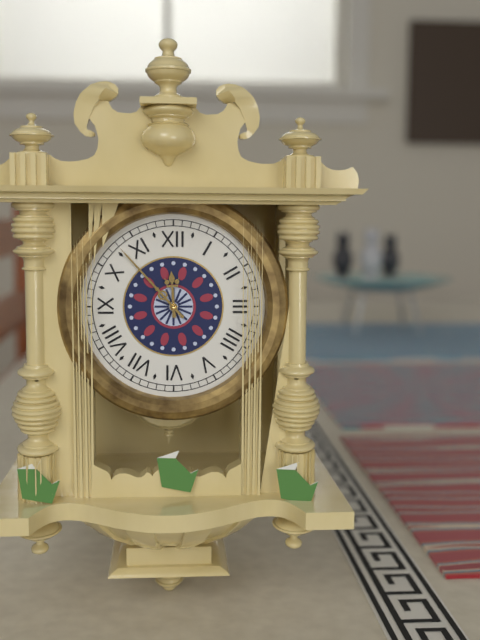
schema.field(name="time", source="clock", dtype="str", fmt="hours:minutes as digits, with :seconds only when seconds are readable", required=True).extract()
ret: 11:53
